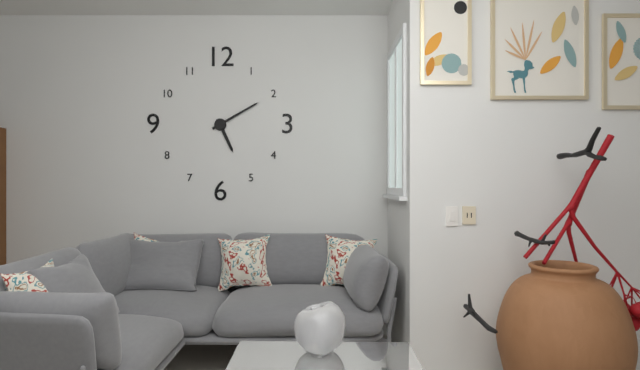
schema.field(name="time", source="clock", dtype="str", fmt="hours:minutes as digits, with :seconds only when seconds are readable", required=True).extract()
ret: 5:10
